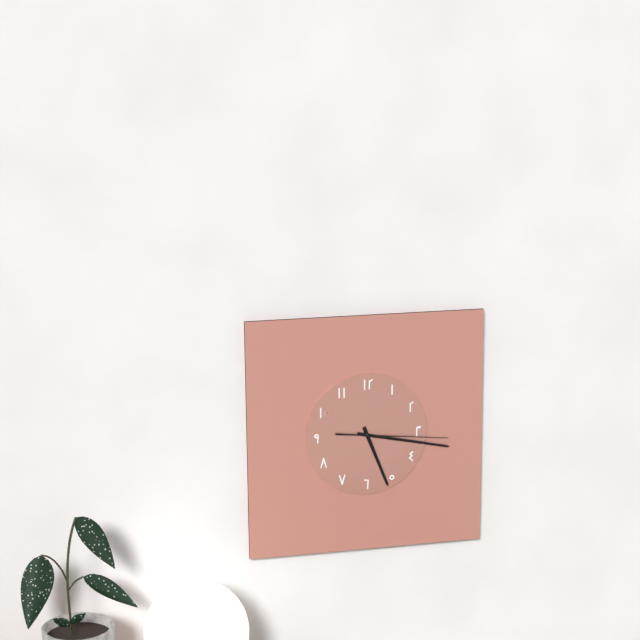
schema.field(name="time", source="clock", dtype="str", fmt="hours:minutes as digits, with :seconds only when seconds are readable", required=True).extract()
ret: 5:17:16
